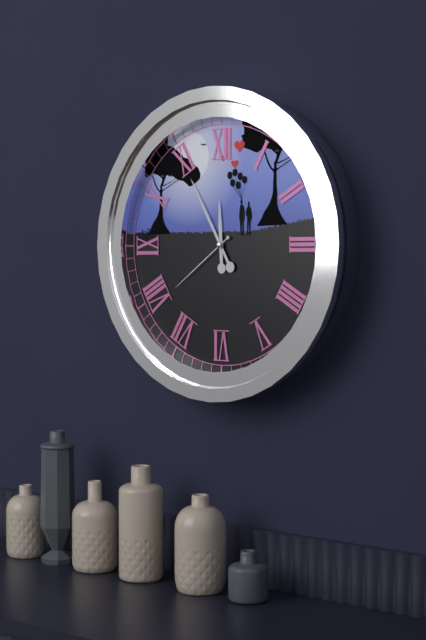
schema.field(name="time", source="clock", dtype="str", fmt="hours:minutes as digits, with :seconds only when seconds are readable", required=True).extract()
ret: 11:55:39
